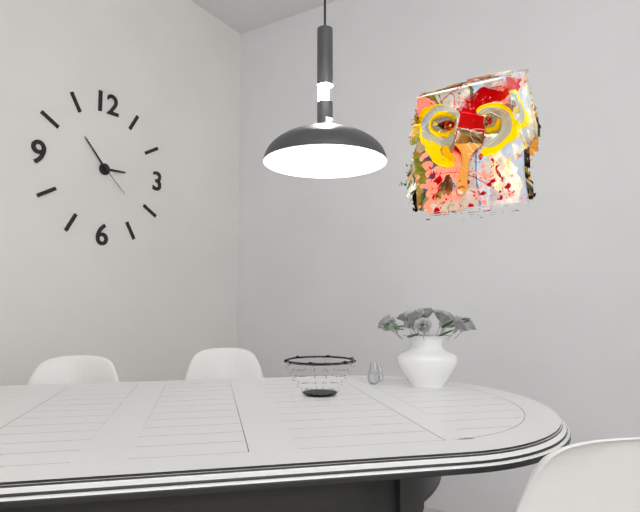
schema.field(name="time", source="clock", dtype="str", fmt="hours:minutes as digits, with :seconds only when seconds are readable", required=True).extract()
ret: 2:53
